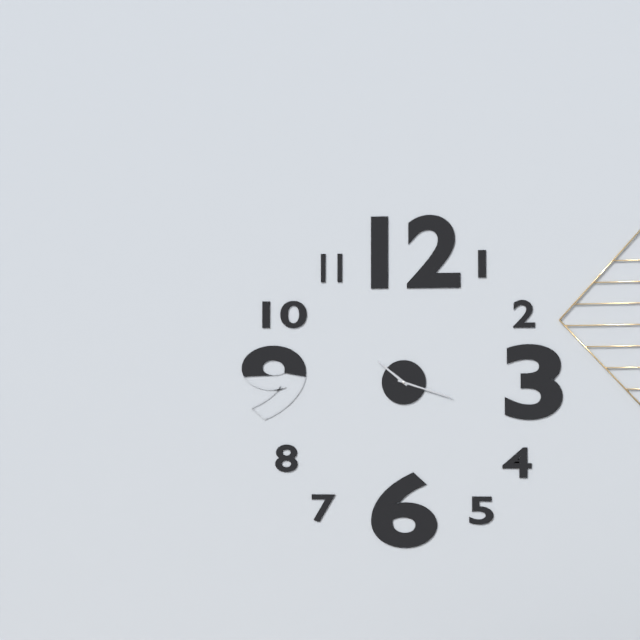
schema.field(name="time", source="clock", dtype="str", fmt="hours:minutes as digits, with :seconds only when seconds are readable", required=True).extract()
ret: 10:18
